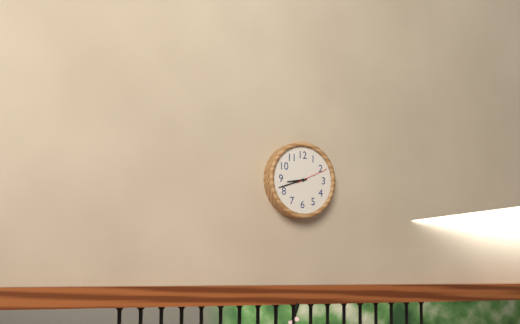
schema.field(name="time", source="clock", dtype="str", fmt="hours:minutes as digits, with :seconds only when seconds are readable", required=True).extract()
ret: 8:42
